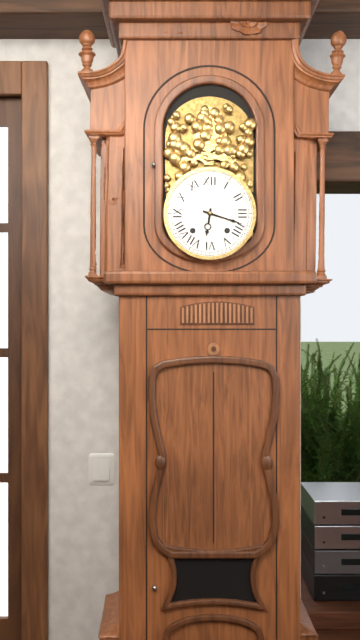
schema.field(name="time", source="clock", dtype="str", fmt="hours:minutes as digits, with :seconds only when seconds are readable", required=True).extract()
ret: 6:18
